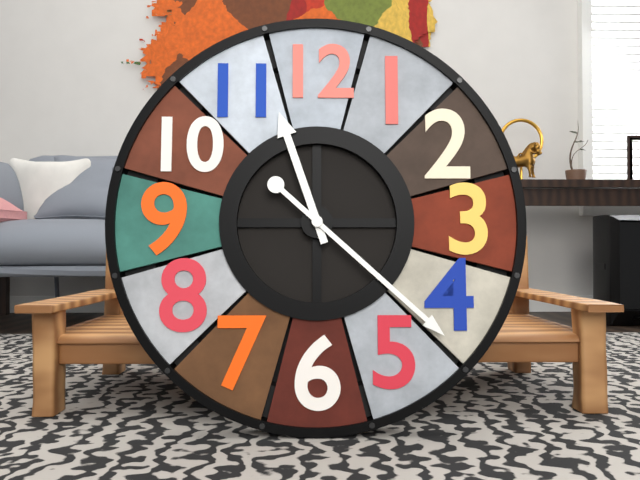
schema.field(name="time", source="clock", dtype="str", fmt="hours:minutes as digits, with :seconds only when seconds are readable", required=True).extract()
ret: 11:22
